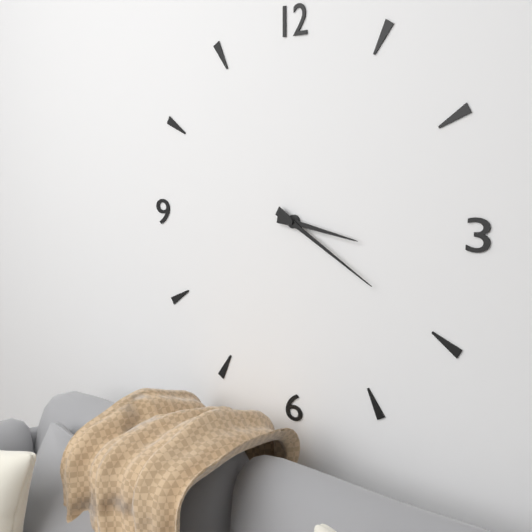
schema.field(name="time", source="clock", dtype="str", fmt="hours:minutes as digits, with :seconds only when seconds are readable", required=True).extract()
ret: 3:20
